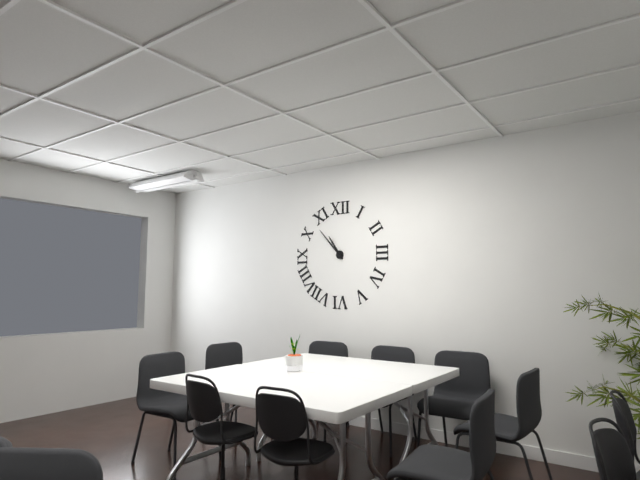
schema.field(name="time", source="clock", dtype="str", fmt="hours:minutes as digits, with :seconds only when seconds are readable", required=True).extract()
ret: 10:53
